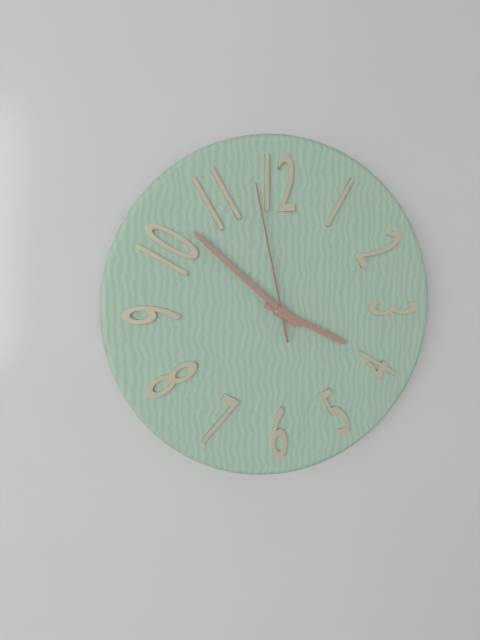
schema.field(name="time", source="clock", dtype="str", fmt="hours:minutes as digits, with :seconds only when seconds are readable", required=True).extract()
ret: 3:52:58
